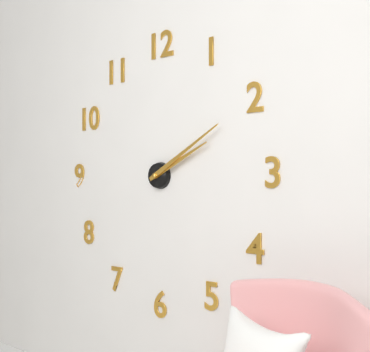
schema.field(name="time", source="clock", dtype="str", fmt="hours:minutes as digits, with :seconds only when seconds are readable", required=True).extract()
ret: 2:10
